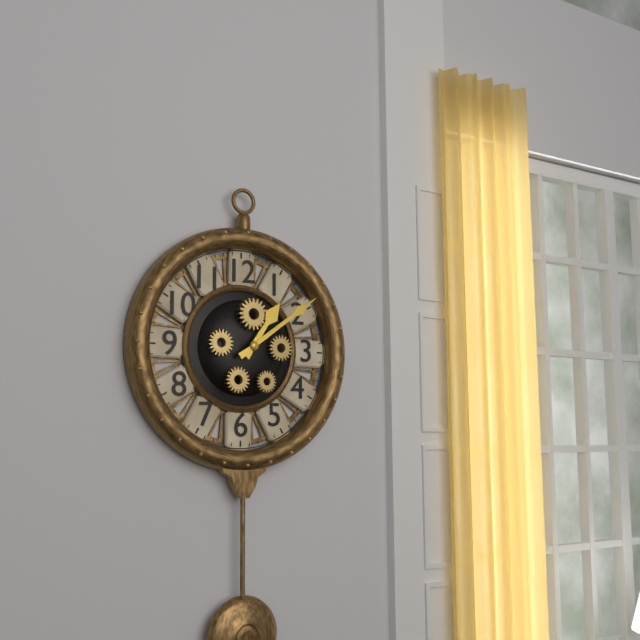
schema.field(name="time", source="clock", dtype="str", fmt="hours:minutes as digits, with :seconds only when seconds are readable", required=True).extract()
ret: 1:09
